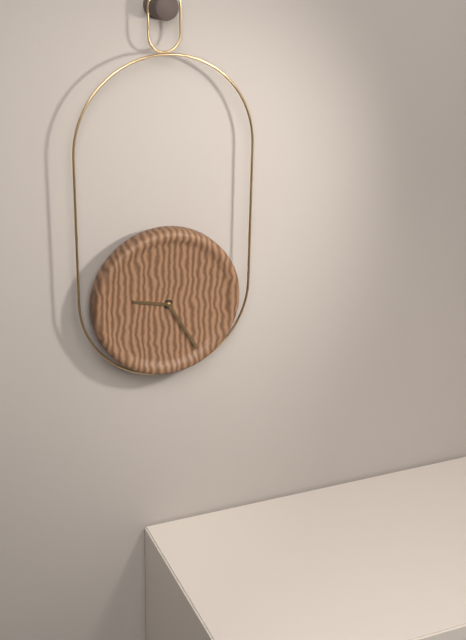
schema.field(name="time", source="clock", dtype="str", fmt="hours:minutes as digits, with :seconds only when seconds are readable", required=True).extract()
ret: 9:25
